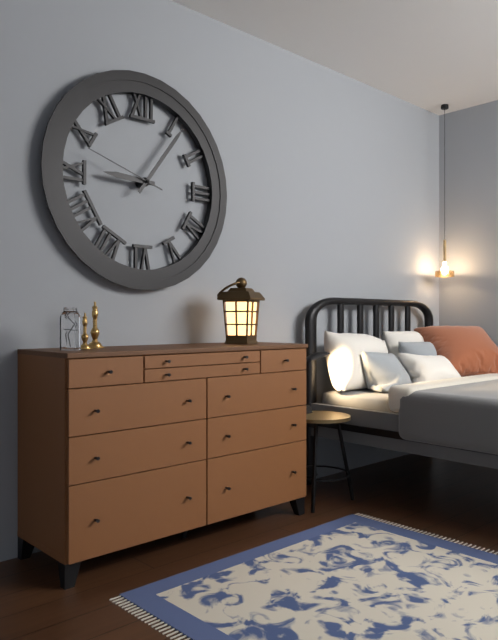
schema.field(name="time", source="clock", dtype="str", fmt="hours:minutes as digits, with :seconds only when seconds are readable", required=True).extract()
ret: 9:06:48
